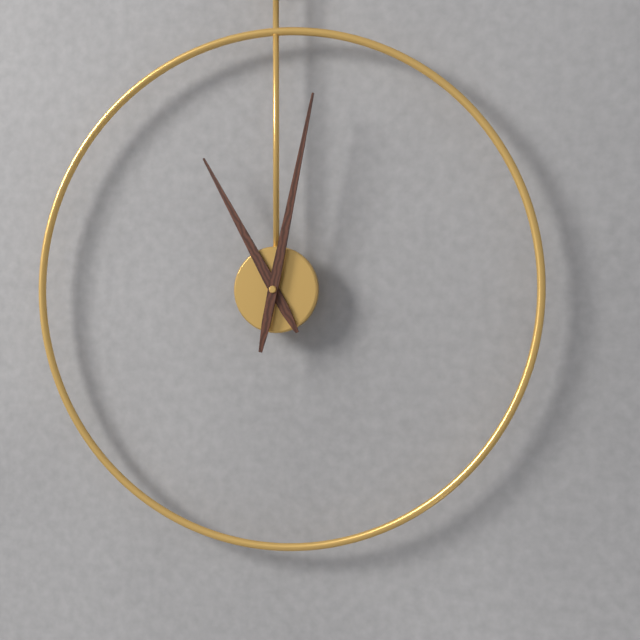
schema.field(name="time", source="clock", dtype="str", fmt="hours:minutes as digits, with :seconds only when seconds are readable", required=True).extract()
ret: 11:02
